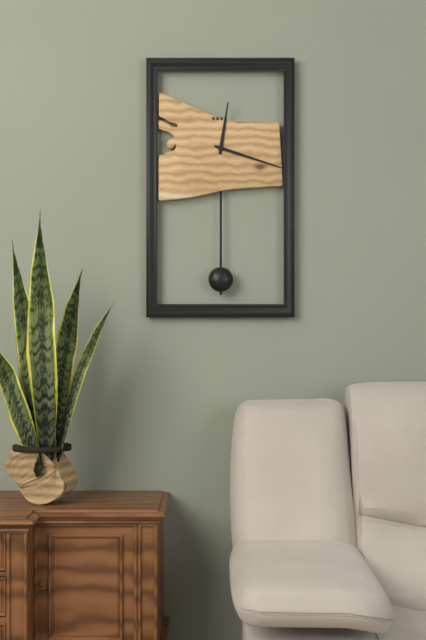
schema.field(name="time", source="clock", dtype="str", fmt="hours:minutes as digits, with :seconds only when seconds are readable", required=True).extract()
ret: 12:18
